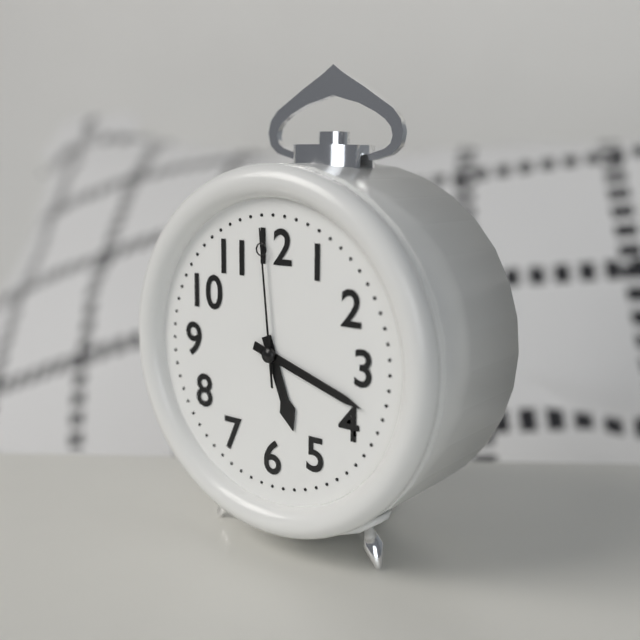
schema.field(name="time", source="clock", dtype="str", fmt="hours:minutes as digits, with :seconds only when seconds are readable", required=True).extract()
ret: 5:18:59
